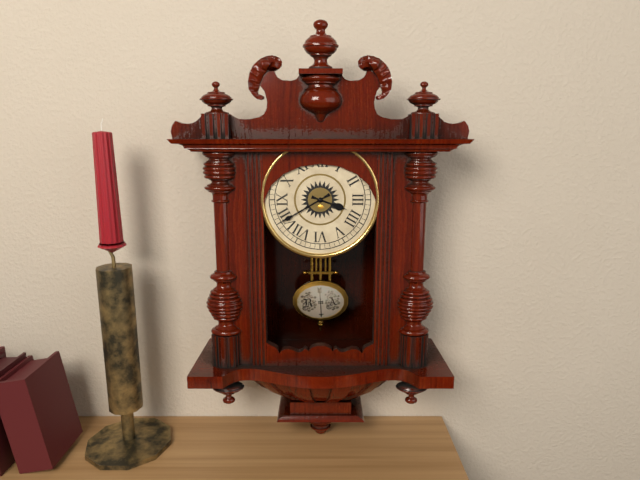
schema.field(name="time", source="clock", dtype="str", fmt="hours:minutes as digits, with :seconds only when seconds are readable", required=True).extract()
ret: 3:40
